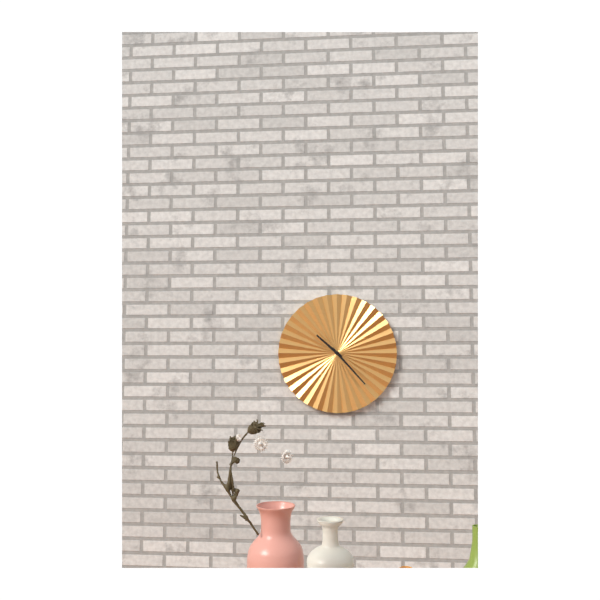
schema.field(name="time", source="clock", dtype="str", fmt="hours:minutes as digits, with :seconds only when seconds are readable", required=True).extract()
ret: 10:23
